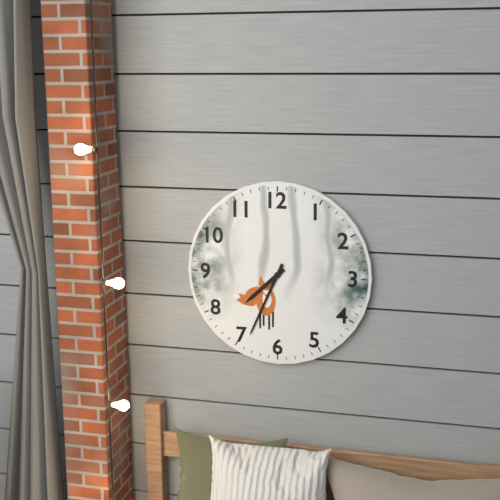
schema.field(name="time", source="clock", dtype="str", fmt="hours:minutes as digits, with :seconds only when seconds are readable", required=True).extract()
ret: 7:34
